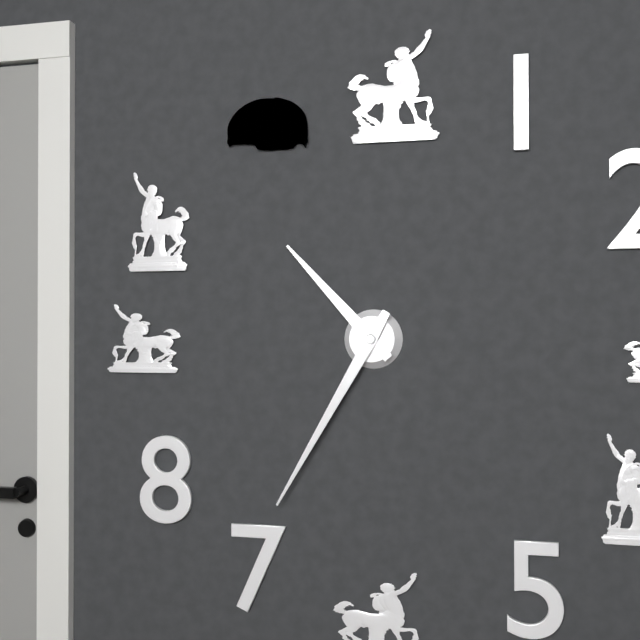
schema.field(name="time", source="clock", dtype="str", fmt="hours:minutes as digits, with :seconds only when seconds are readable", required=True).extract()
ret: 10:35
